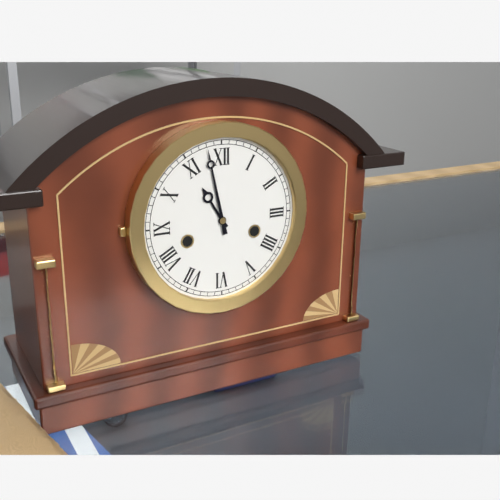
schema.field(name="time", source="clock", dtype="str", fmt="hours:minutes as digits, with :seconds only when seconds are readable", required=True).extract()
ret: 10:58
